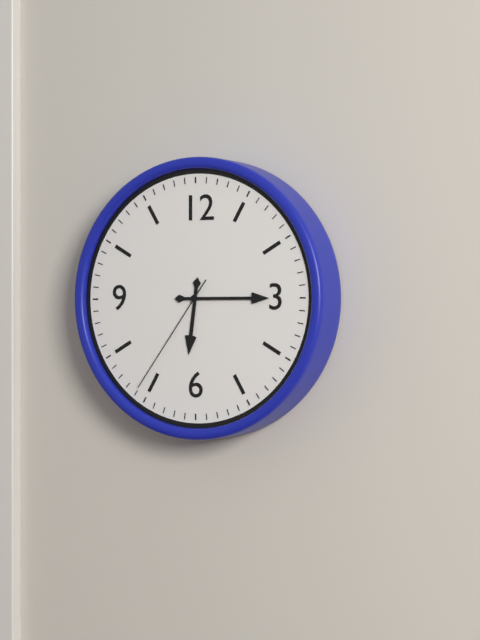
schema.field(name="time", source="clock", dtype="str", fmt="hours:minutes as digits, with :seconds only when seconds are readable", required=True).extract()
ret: 6:15:36
